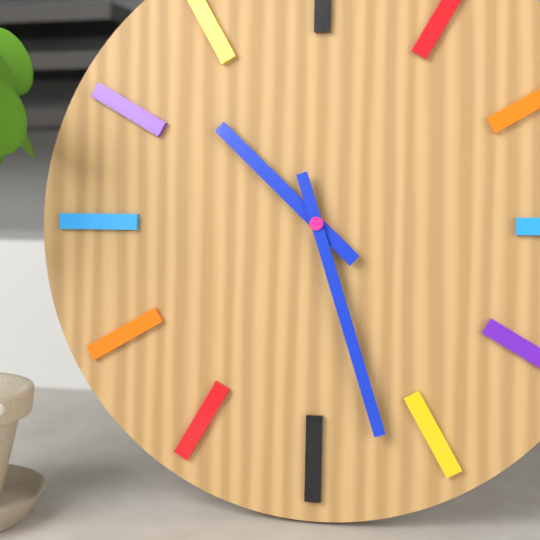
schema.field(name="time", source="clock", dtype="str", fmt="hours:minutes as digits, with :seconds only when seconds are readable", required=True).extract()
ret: 10:27
